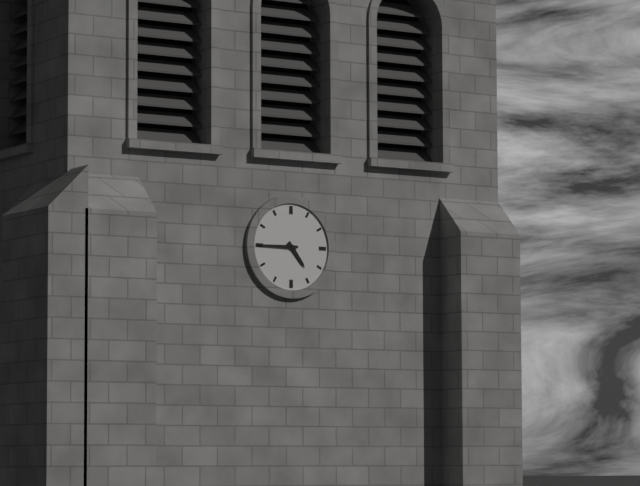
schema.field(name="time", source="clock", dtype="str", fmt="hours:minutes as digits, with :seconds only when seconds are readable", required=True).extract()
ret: 4:45
